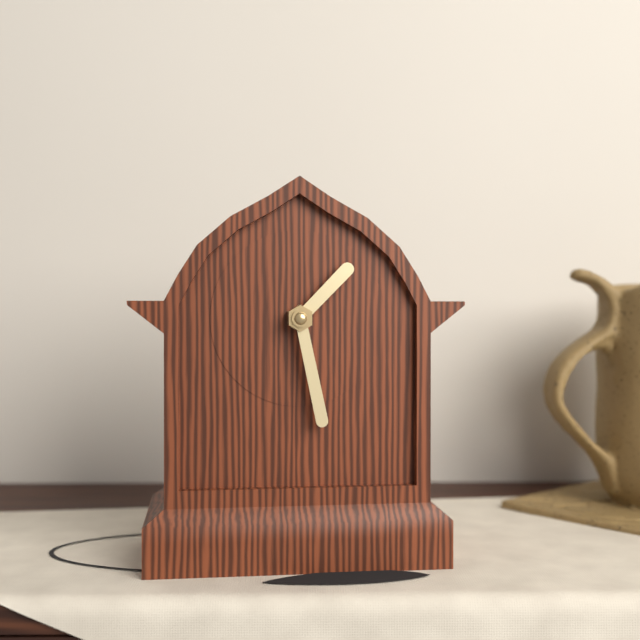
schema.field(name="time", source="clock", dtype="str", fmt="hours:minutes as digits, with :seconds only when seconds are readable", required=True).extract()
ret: 1:28
